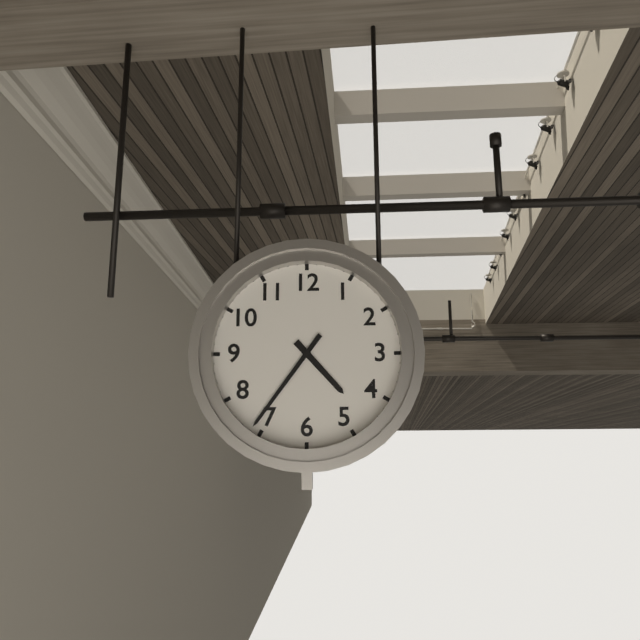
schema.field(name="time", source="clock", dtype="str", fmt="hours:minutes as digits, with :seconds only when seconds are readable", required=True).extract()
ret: 4:36
